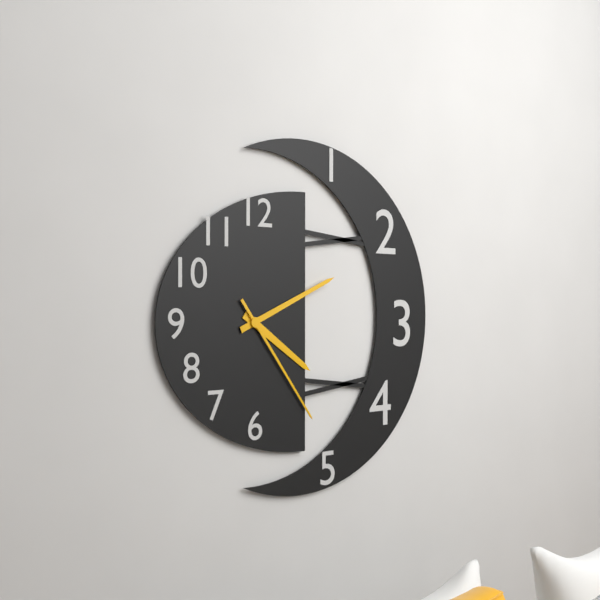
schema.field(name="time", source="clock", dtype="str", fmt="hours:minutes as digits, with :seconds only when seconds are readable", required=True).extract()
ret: 4:11:24
